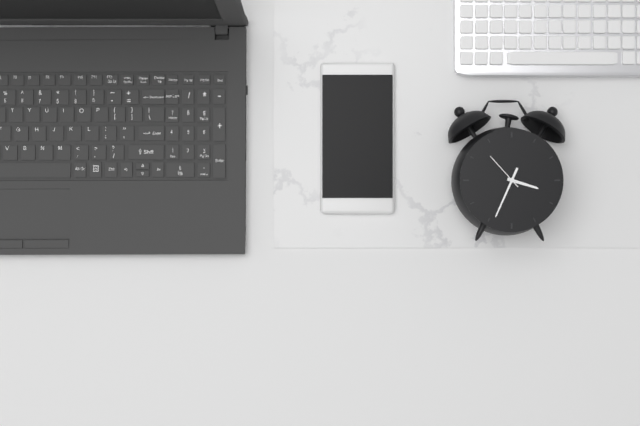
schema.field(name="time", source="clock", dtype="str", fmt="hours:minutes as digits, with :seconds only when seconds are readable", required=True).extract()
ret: 3:34
